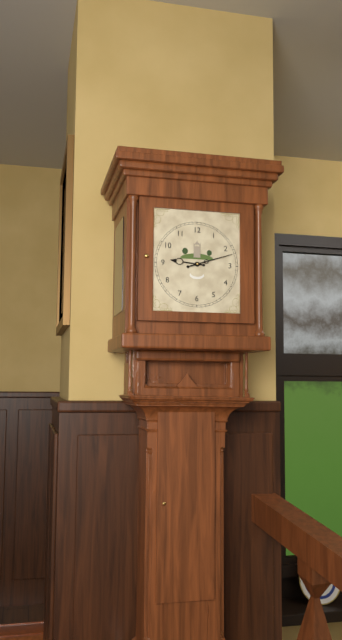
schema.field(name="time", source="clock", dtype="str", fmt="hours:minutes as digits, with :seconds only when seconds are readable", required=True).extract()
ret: 9:12
